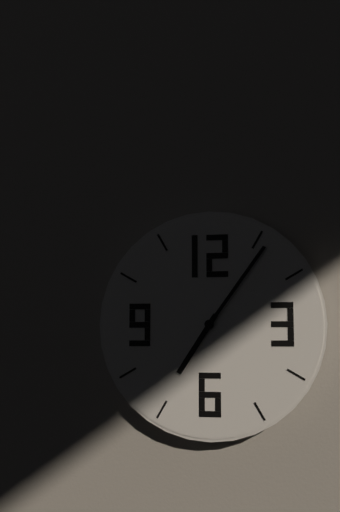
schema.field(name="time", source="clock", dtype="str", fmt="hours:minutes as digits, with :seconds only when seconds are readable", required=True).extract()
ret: 7:06
